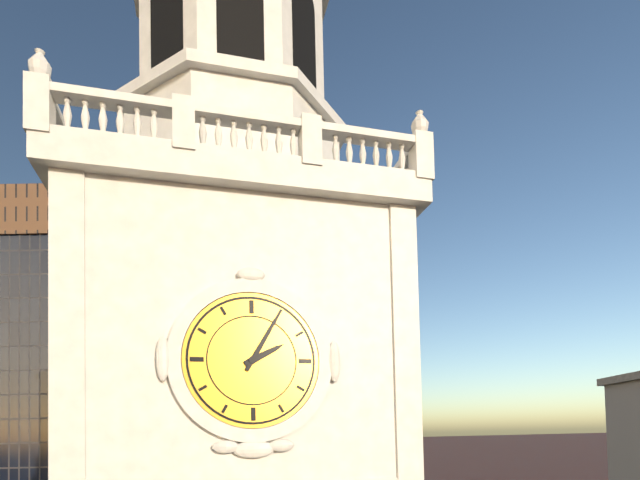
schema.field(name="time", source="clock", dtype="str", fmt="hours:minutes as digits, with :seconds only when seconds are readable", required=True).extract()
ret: 2:05
